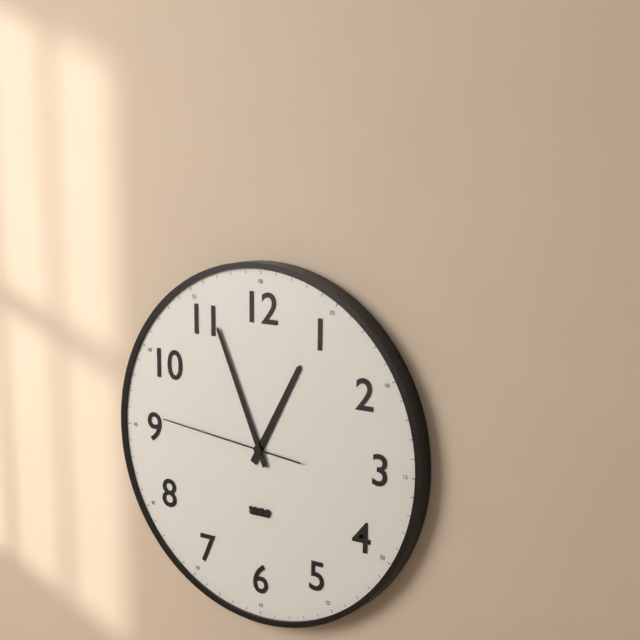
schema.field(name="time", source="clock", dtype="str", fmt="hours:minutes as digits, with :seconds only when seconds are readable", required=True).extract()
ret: 12:56:46
